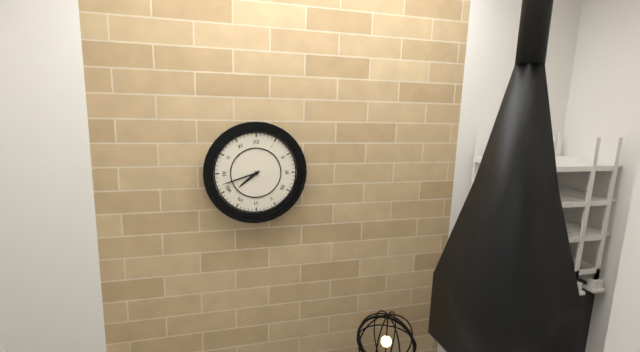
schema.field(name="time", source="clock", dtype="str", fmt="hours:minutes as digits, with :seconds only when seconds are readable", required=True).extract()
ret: 7:42
